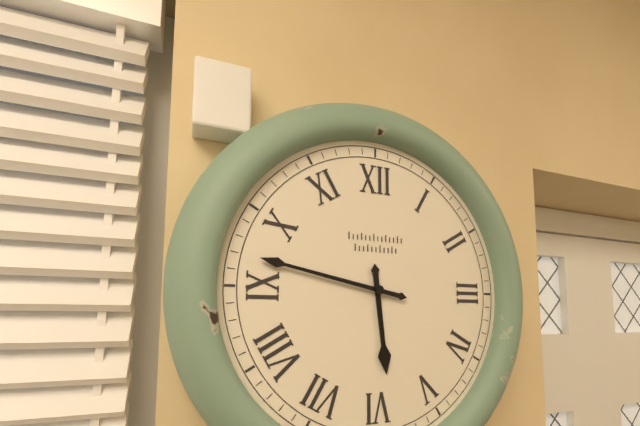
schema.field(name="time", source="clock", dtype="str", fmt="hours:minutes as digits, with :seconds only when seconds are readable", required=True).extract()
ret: 5:47
